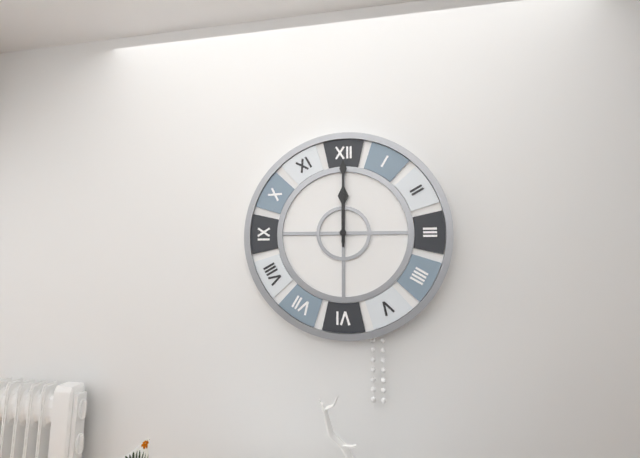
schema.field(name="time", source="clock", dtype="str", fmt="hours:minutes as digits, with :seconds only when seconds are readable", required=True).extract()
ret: 12:00
